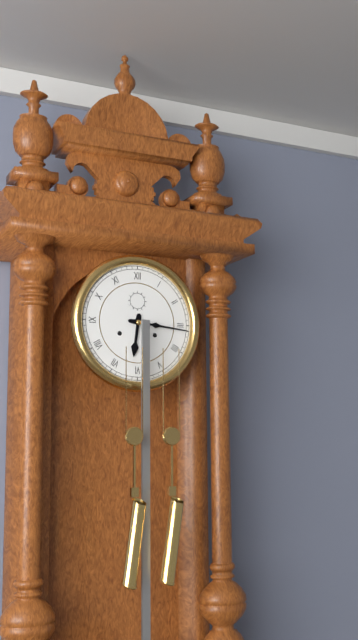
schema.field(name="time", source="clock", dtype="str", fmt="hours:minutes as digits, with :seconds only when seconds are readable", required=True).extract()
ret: 6:16
